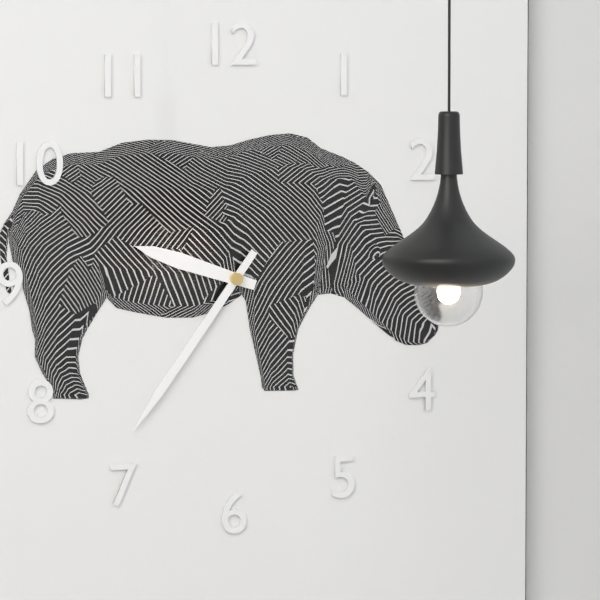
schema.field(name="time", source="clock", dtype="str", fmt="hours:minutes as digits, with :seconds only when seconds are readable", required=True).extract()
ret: 9:36
